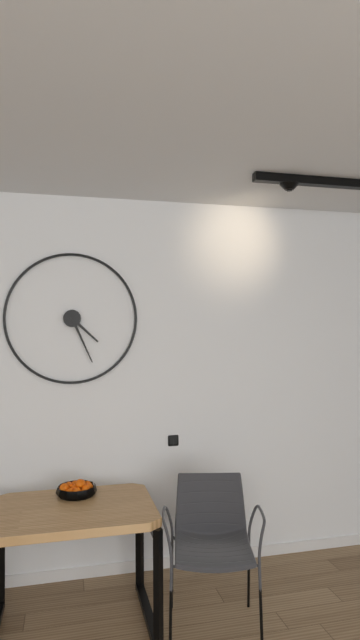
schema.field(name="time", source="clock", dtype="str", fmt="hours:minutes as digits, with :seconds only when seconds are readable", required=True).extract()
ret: 4:26
